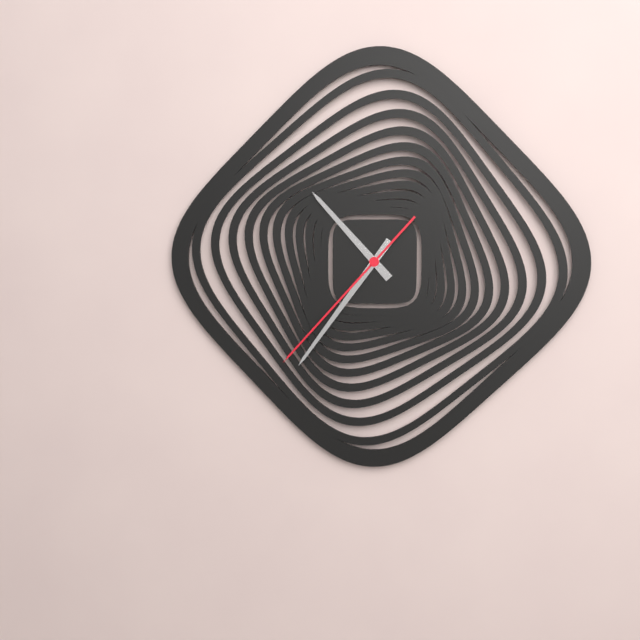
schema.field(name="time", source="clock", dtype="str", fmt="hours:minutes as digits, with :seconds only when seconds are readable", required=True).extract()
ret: 10:36:37
